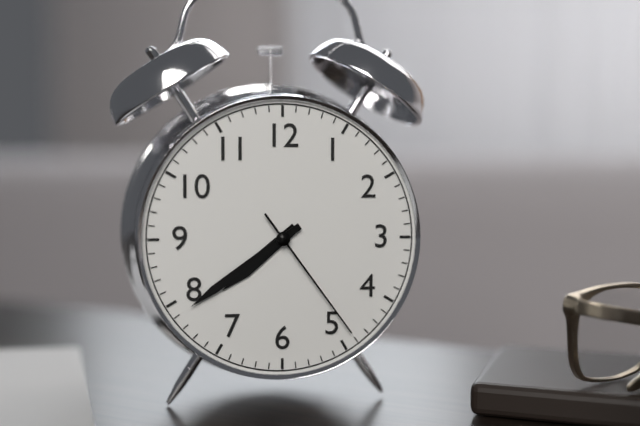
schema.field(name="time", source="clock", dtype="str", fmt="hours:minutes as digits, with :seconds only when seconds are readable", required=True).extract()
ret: 7:39:24
